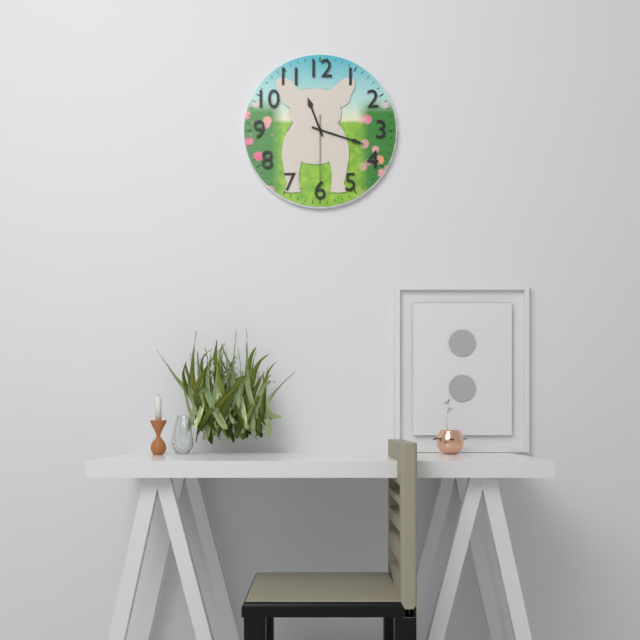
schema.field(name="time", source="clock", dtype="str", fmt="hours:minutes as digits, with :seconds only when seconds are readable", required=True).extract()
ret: 11:18:30
